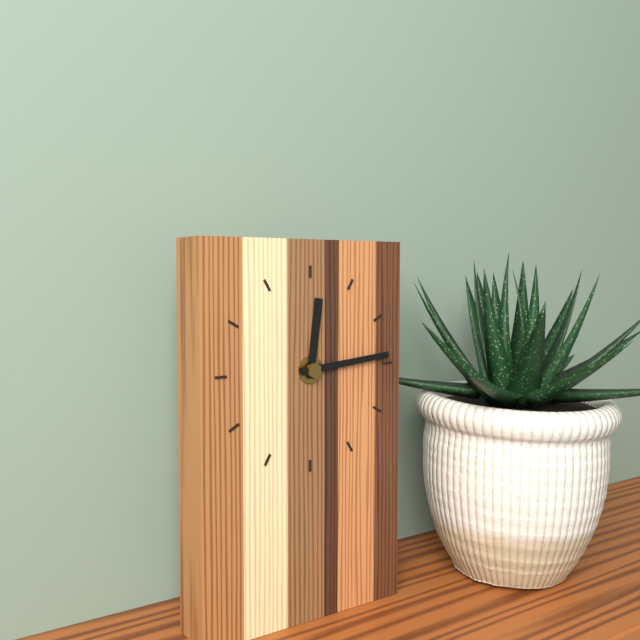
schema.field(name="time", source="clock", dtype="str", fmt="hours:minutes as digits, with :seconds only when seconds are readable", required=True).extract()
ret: 12:14
